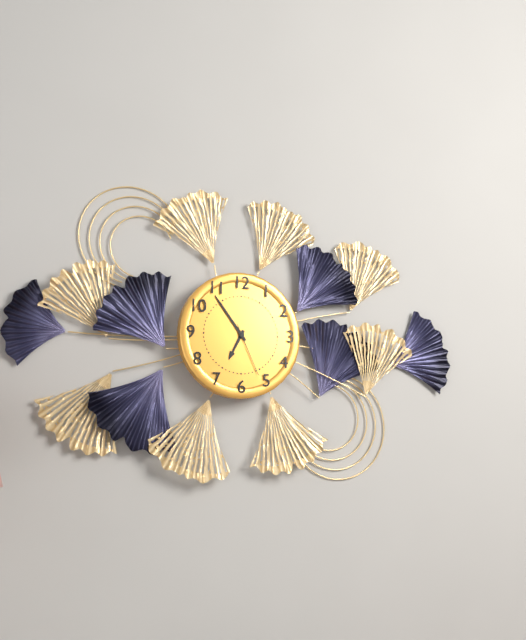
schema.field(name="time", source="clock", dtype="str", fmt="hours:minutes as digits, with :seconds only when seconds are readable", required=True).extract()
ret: 6:54:26
